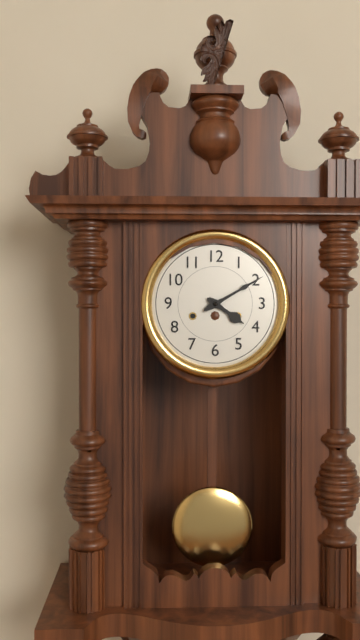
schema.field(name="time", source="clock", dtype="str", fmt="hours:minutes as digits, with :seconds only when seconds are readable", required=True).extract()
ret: 4:10
